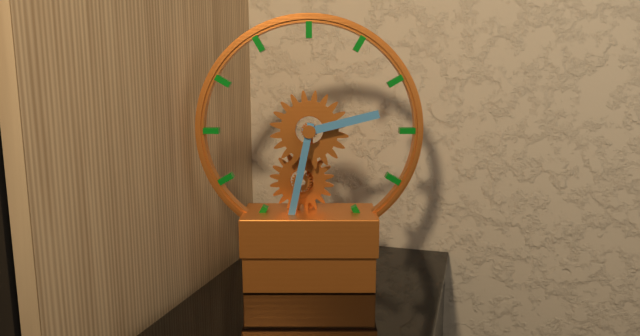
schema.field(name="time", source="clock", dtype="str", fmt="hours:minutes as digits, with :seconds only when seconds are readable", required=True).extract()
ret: 2:32
